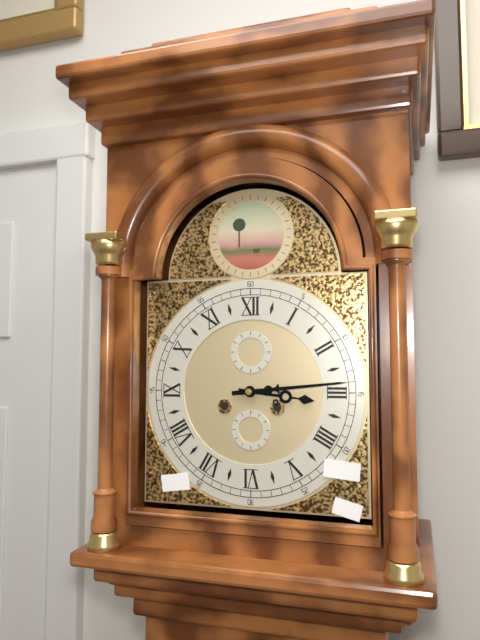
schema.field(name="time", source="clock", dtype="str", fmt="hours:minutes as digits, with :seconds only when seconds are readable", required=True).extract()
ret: 3:14
